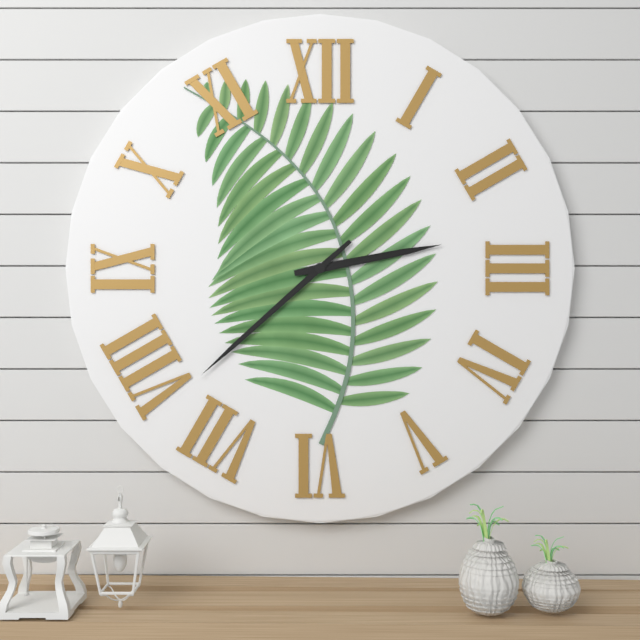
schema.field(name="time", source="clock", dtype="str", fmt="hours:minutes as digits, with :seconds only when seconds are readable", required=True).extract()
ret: 2:38
